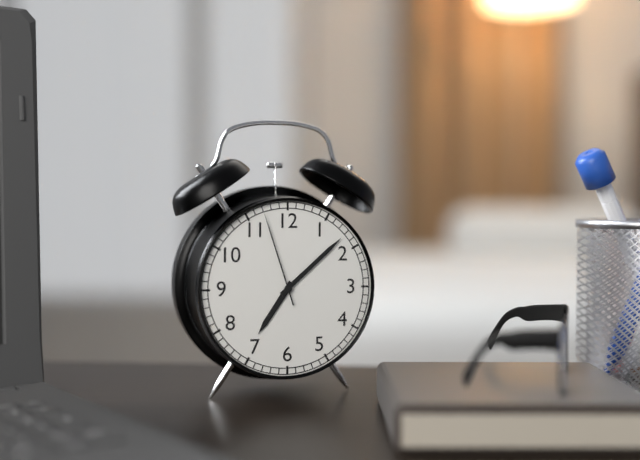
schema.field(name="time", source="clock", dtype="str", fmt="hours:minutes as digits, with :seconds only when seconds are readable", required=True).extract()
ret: 7:08:57
